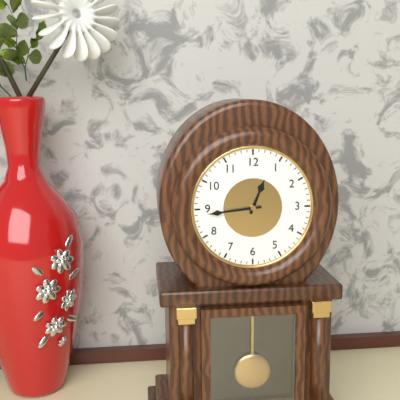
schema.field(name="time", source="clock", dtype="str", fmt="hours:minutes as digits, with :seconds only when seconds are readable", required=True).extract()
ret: 12:44
